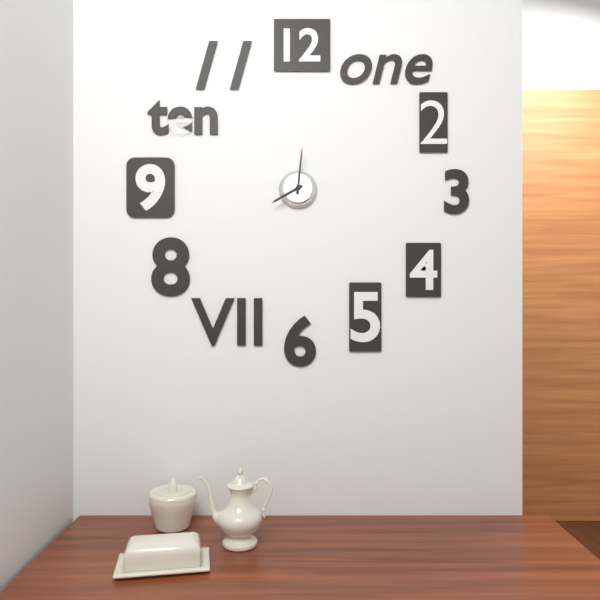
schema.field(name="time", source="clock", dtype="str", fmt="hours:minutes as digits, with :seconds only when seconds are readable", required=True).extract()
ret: 8:01
